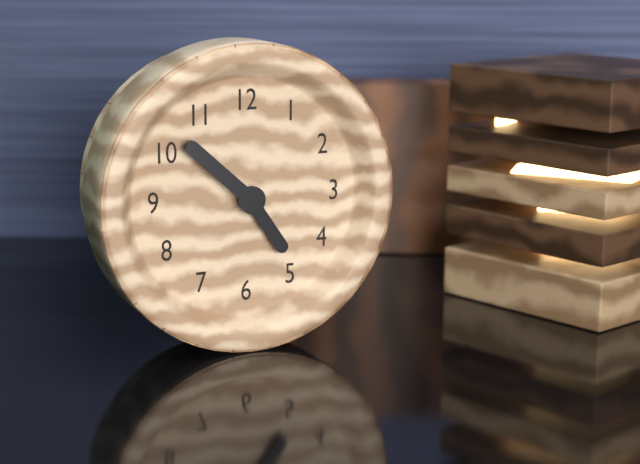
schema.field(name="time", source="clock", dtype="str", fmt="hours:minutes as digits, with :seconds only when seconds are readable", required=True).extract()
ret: 4:52
